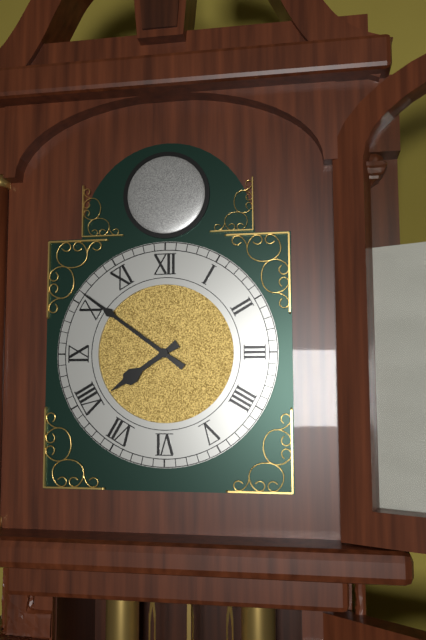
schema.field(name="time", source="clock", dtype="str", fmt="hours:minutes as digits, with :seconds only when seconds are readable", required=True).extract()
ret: 7:51
